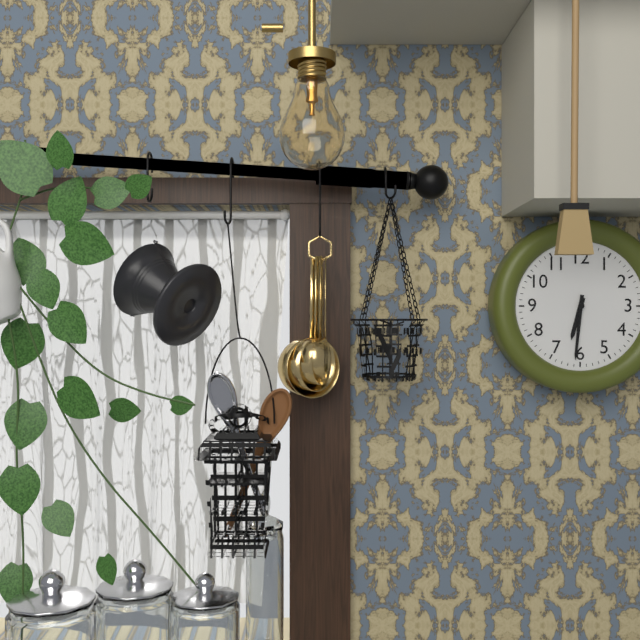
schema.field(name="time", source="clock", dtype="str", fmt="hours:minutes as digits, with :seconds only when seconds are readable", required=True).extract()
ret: 6:31
